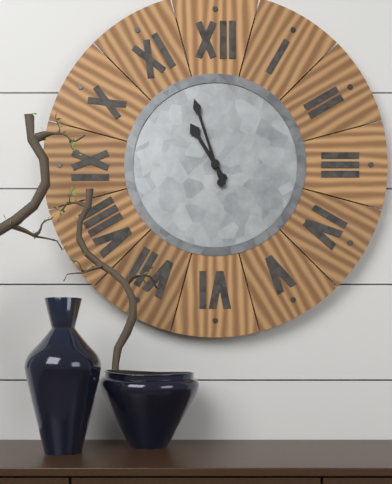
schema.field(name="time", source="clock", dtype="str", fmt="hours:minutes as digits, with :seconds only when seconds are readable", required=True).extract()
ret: 10:57
